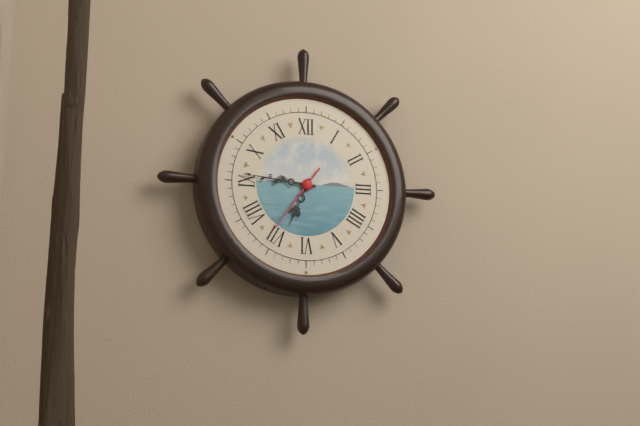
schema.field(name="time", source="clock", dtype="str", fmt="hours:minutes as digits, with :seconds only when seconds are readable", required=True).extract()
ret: 6:46:36
